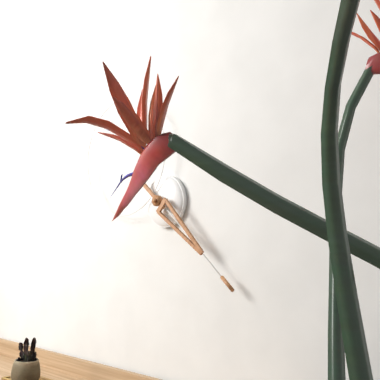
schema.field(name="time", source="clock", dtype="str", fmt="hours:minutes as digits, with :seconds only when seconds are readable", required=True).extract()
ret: 4:22
